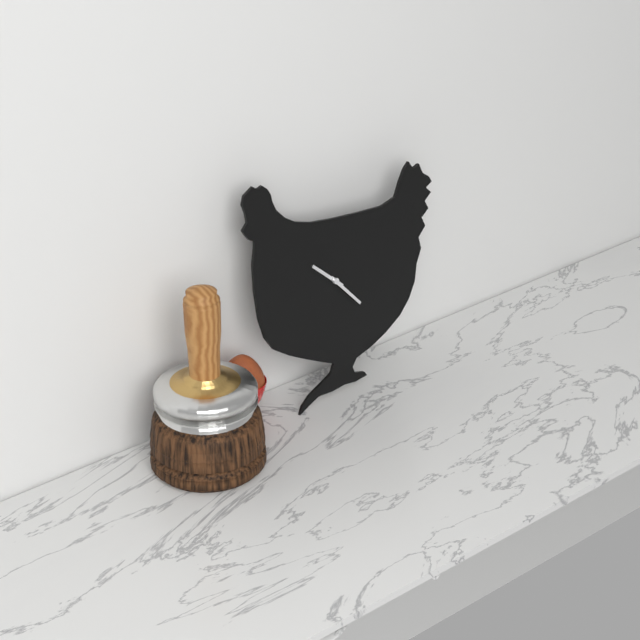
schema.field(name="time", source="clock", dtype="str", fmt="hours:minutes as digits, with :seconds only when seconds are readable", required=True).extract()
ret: 10:23
